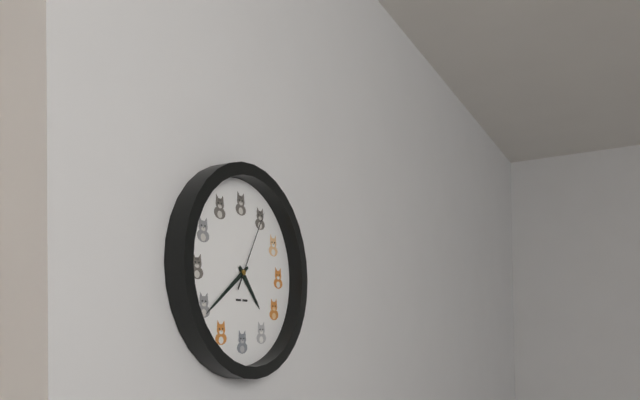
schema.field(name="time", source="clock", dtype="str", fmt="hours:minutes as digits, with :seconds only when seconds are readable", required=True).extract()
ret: 4:39:05
